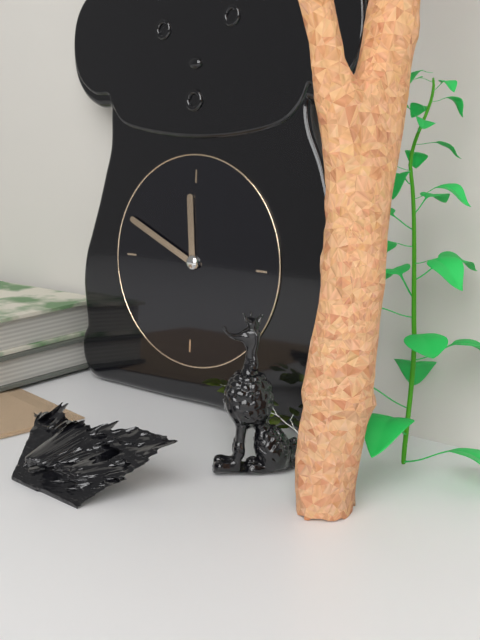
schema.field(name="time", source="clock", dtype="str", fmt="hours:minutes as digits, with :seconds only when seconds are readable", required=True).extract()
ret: 11:49
